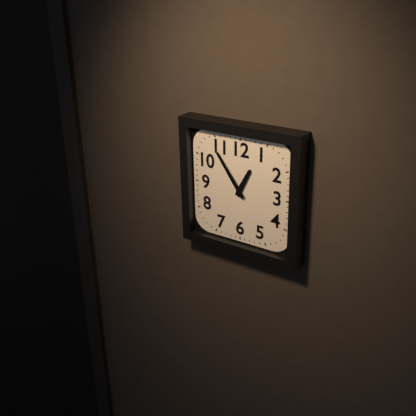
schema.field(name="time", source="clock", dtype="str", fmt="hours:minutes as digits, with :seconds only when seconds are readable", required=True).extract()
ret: 12:54
